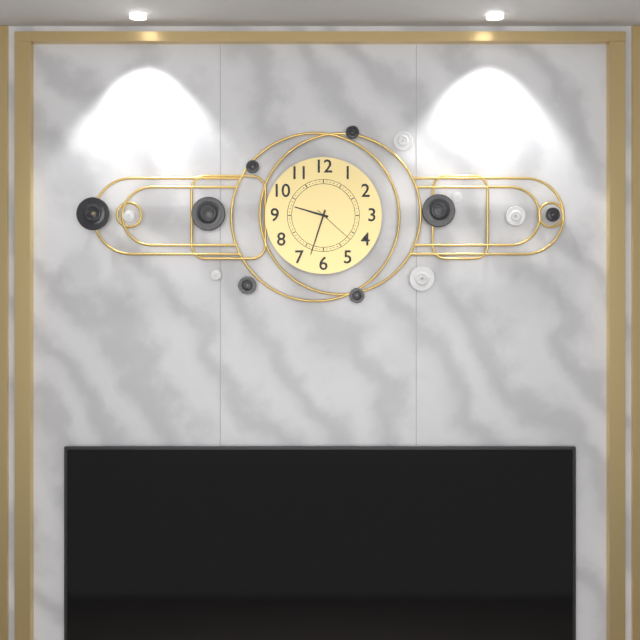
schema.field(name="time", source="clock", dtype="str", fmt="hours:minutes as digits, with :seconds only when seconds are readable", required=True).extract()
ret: 9:33
